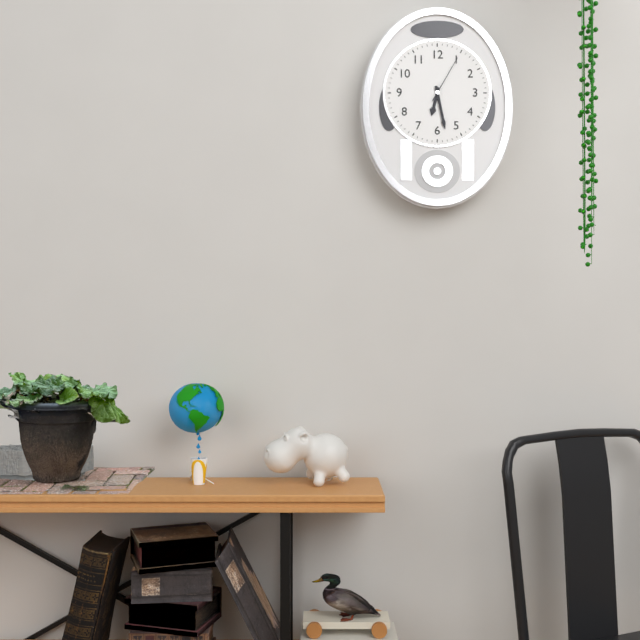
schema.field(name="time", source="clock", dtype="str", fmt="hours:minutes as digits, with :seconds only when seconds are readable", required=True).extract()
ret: 6:28:05
